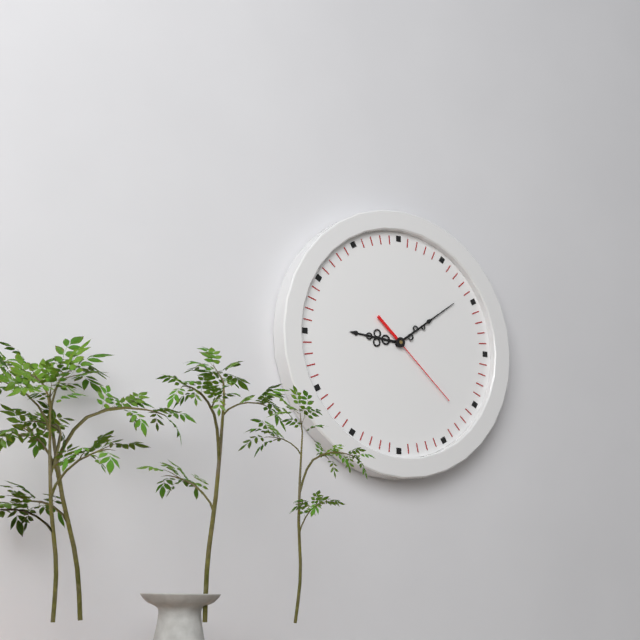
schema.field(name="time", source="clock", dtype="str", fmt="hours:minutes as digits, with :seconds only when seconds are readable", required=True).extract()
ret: 9:09:22
